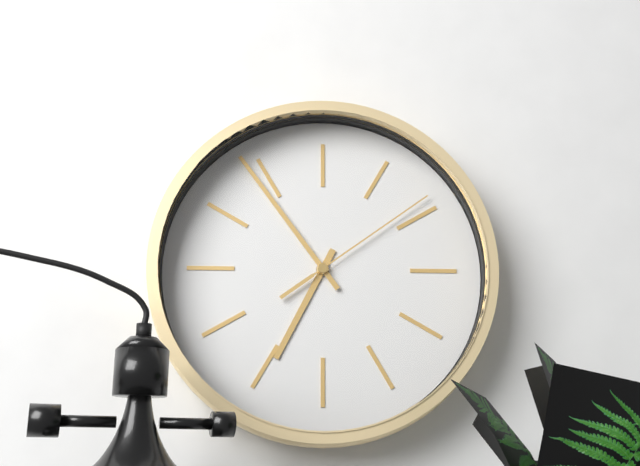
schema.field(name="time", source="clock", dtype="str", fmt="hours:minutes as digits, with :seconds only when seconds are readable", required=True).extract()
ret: 6:54:09
